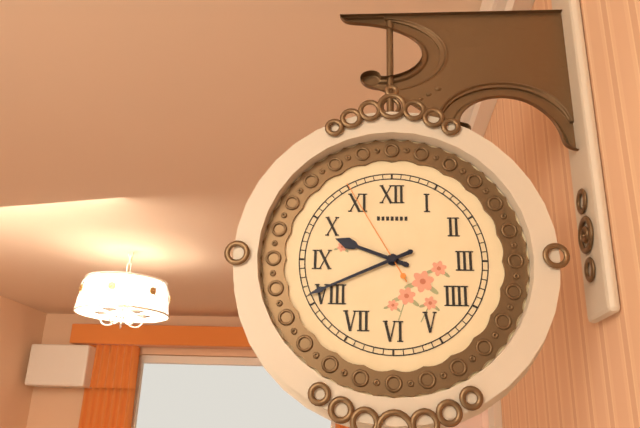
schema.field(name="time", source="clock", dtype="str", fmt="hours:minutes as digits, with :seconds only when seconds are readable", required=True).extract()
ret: 9:41:55
